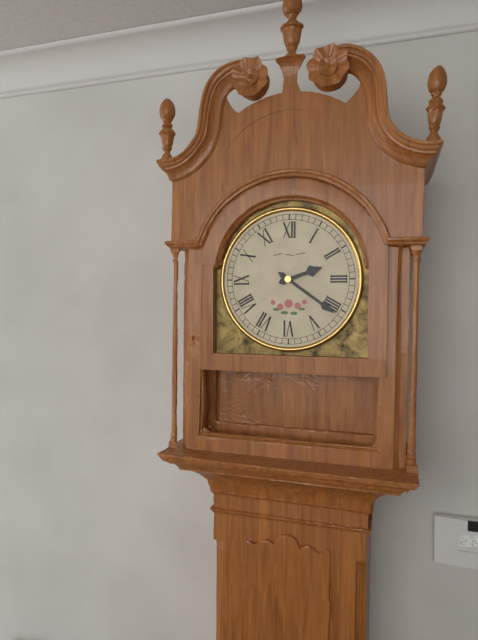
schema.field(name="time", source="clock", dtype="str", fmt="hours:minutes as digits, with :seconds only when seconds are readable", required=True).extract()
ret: 2:21
